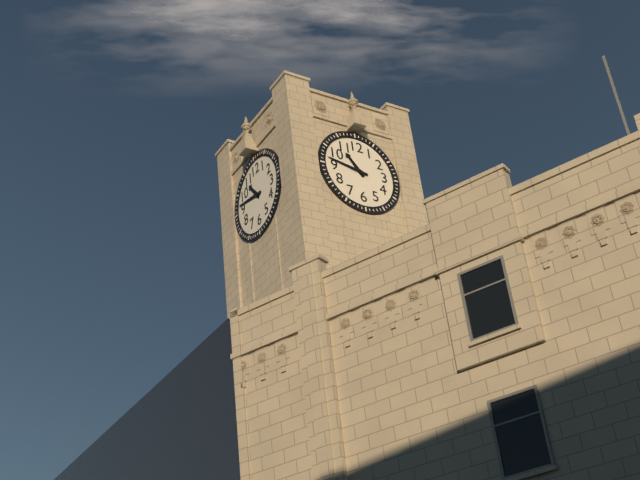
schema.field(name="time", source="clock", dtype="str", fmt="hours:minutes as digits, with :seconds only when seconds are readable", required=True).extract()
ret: 10:47
